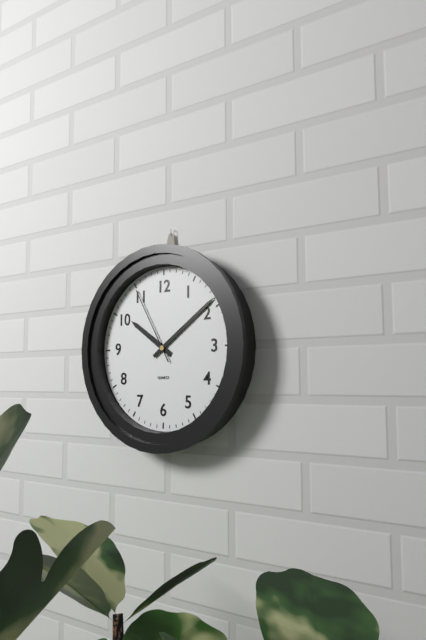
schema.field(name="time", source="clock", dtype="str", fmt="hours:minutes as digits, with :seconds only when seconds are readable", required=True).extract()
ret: 10:09:55
